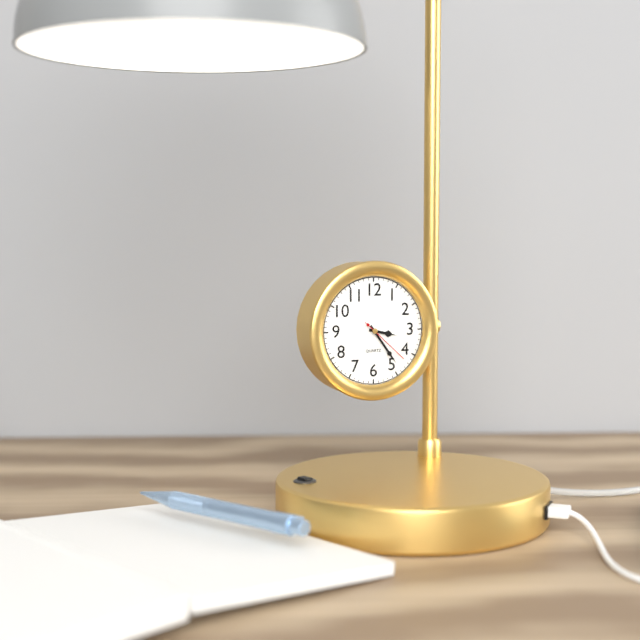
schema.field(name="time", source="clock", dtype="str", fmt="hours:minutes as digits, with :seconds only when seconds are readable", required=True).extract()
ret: 3:24:22
